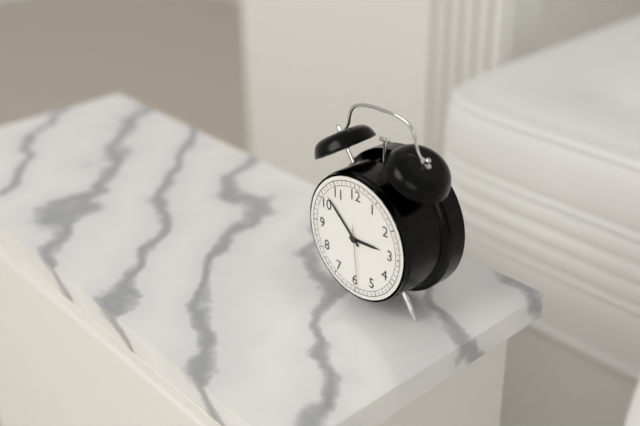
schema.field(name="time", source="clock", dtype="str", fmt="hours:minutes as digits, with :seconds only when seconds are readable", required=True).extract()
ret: 2:52:29
